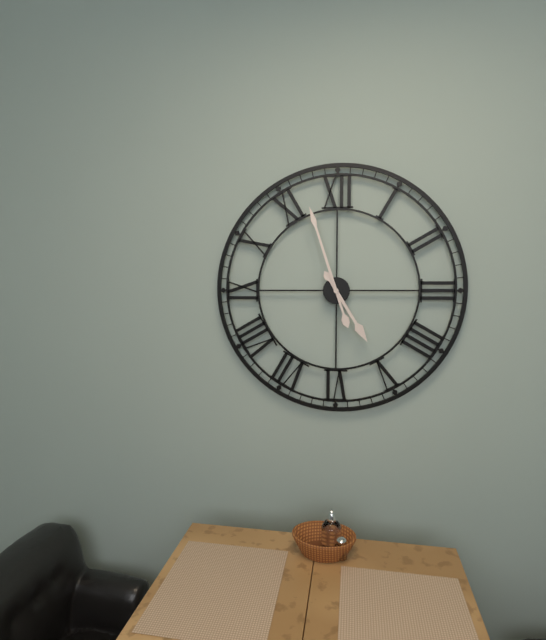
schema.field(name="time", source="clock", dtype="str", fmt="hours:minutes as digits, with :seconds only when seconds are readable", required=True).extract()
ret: 4:57
